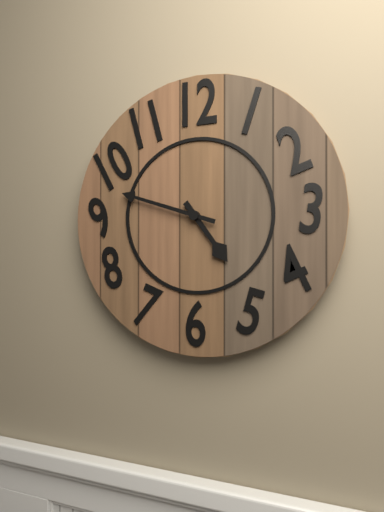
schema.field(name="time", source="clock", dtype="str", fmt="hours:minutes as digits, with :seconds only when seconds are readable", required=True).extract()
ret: 4:48
